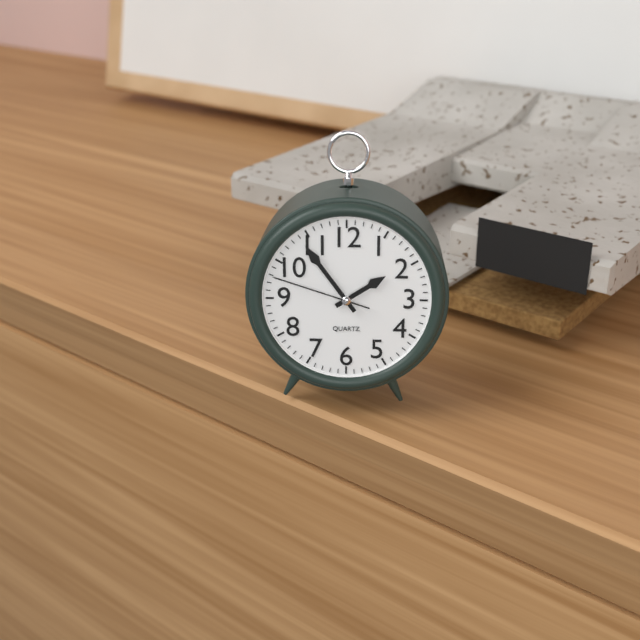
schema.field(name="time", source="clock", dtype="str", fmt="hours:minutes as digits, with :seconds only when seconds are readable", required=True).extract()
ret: 1:54:48
